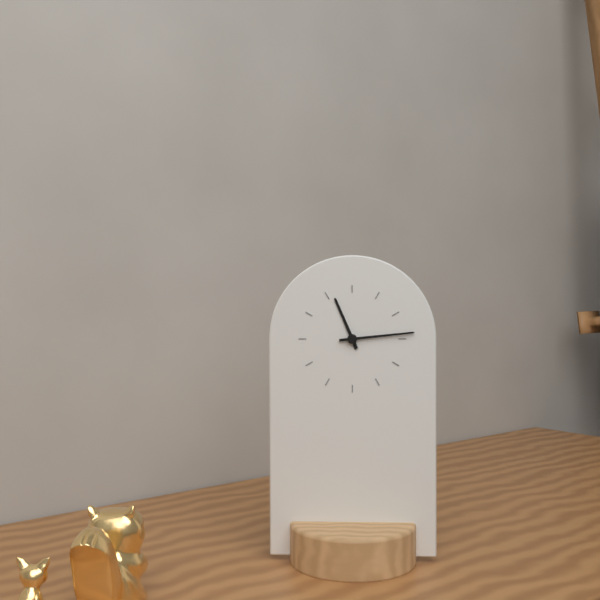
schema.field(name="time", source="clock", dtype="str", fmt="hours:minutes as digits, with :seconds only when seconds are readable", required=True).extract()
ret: 11:14
